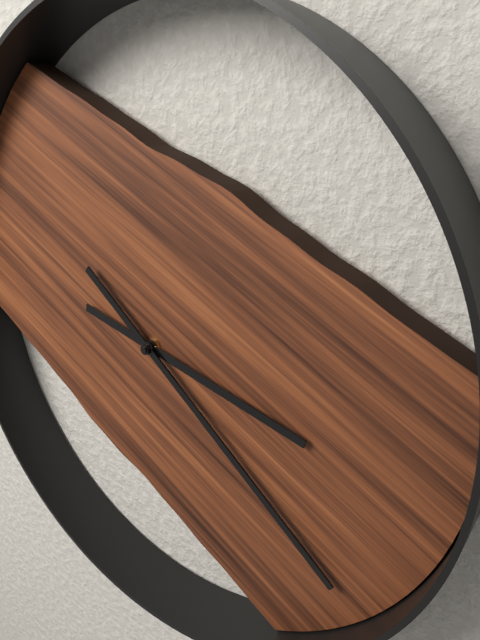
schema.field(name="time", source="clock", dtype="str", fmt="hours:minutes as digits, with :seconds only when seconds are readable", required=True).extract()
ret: 3:21
